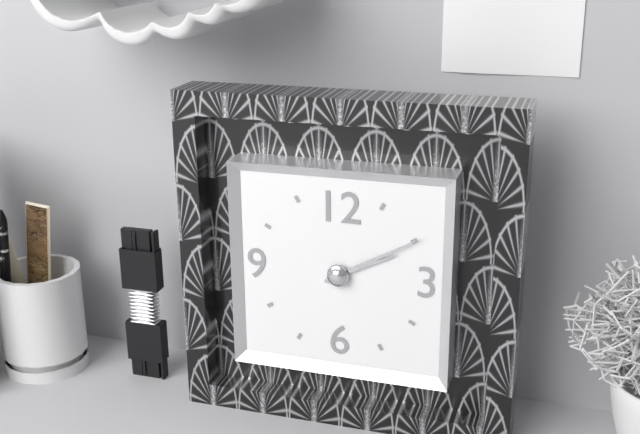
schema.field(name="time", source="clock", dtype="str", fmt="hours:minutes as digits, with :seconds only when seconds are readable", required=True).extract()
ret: 2:10
